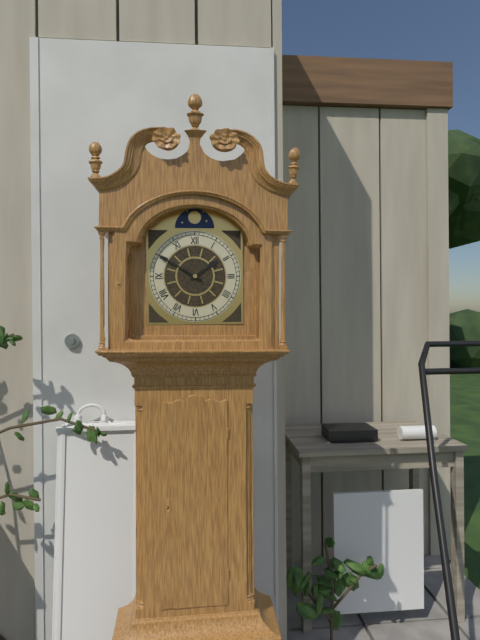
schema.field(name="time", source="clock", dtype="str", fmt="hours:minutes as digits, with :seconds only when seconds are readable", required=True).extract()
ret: 1:50
